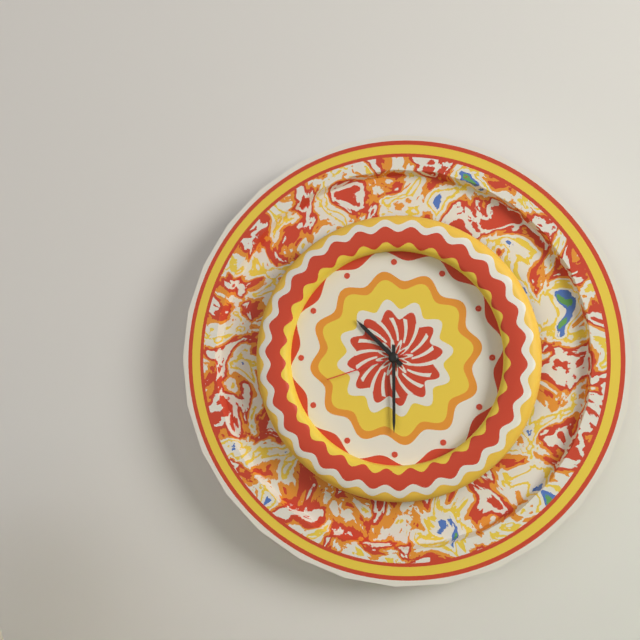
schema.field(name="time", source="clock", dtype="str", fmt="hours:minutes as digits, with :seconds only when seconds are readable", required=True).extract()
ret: 10:30:42
